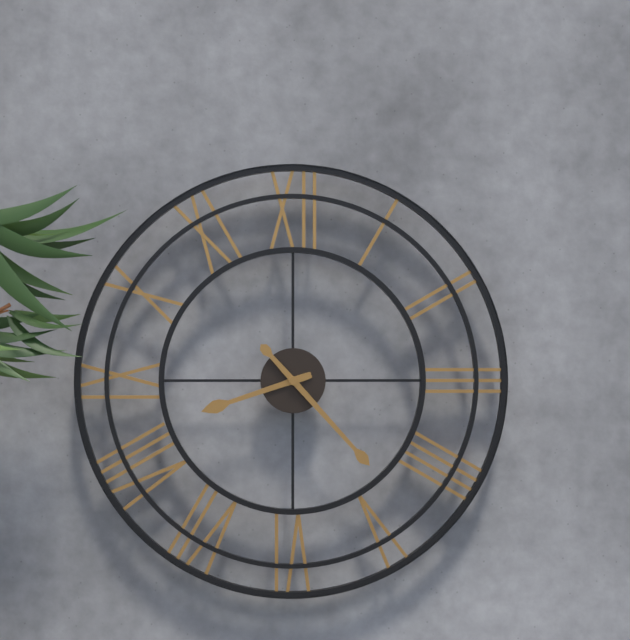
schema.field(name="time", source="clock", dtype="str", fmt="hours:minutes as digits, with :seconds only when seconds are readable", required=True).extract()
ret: 8:23
